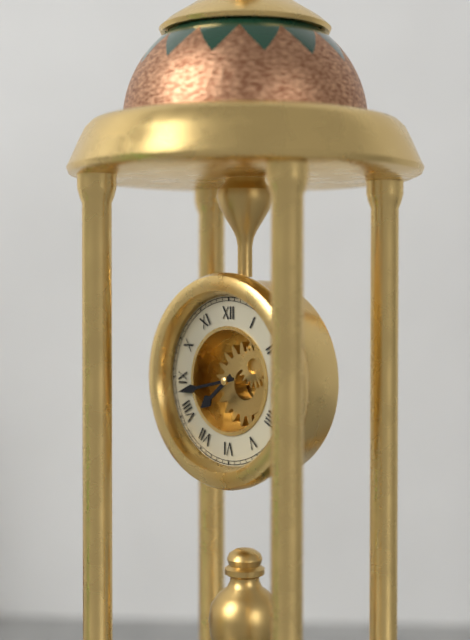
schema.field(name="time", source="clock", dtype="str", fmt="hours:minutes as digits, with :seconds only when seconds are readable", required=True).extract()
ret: 7:43
